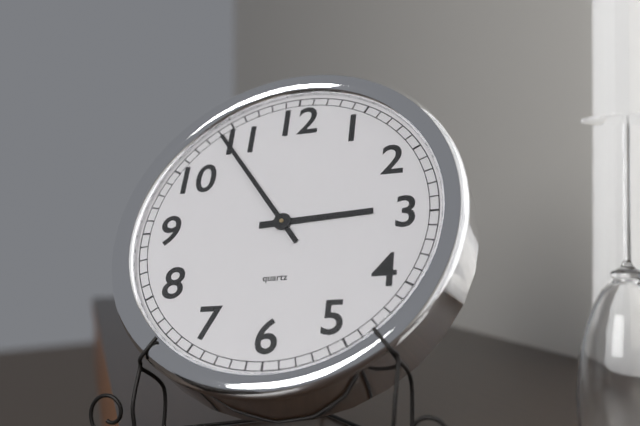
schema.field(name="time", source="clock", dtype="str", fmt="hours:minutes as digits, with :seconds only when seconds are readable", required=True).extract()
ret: 2:54
